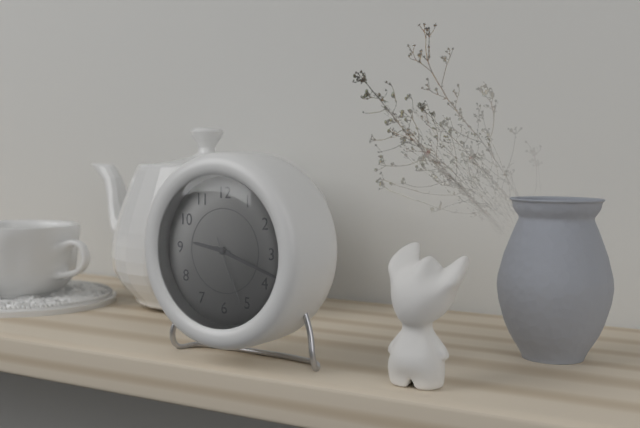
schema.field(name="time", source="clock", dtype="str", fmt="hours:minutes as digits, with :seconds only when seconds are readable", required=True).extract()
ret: 9:18:26
